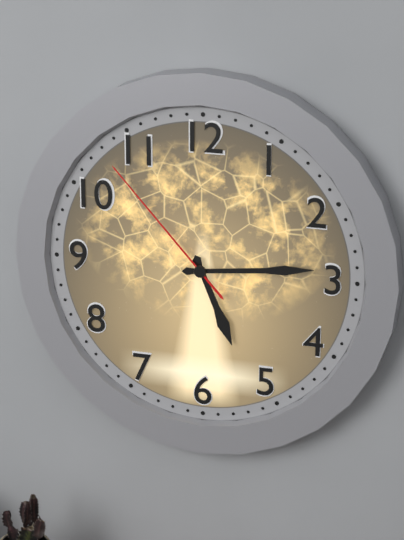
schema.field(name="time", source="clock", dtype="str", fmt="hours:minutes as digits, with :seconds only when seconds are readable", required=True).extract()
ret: 5:14:53
